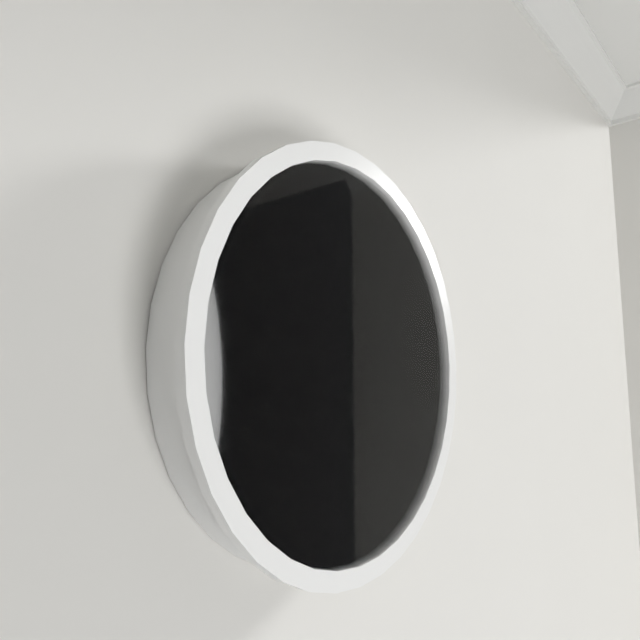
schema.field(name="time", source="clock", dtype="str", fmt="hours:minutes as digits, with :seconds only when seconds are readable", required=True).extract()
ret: 5:15
